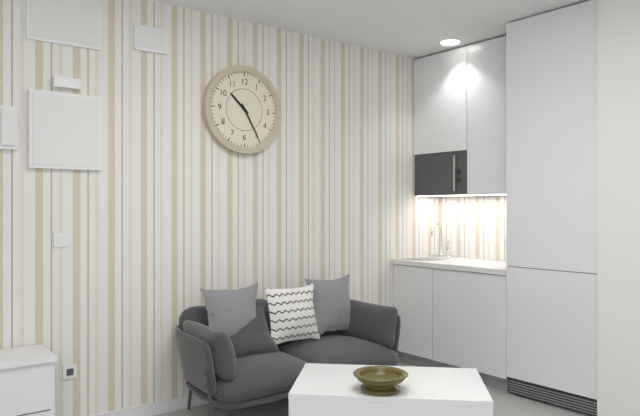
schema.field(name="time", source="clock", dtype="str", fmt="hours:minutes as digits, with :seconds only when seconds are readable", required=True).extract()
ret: 10:25
